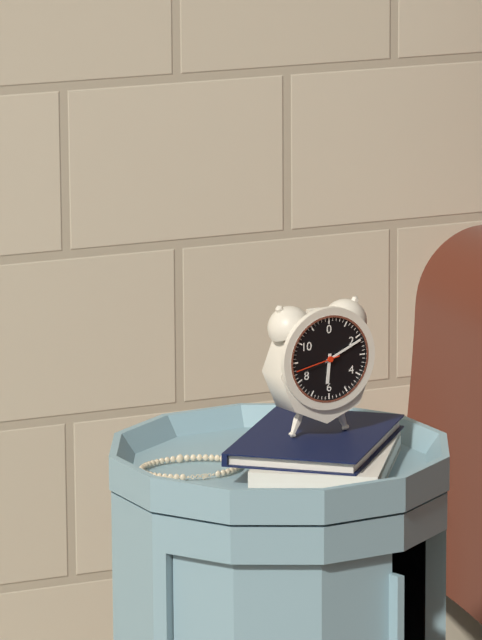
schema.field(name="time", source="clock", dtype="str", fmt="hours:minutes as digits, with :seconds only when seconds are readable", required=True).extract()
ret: 6:11
